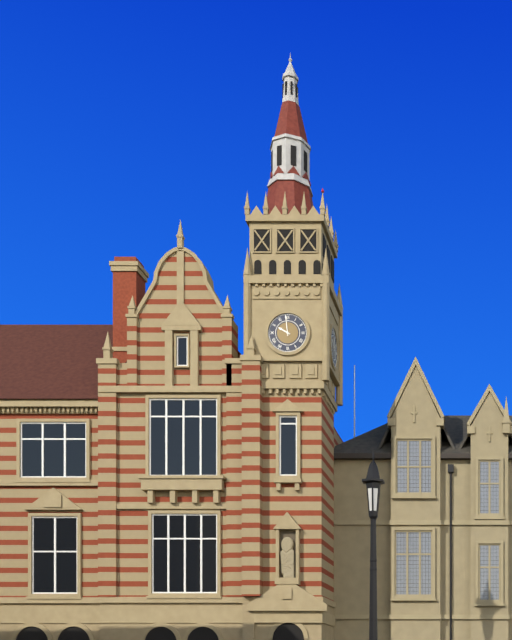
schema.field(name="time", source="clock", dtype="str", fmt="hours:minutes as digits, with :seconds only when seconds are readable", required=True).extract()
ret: 9:59
